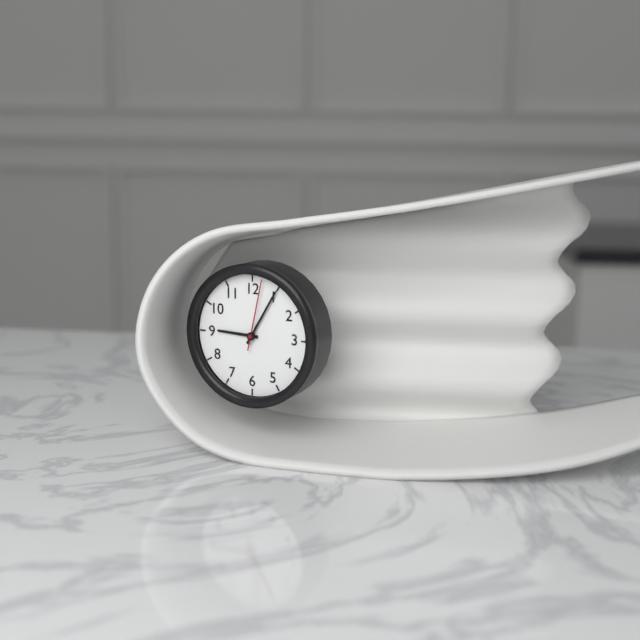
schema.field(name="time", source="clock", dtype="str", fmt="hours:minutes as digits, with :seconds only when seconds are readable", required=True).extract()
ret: 9:05:02
